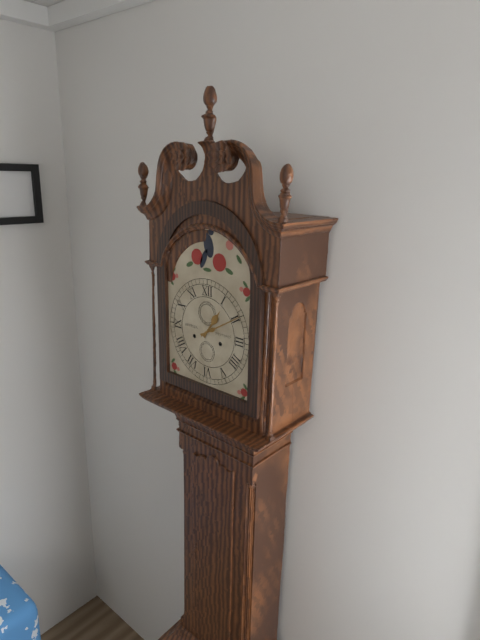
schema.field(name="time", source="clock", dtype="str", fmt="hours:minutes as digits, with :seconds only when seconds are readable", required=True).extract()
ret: 1:10
